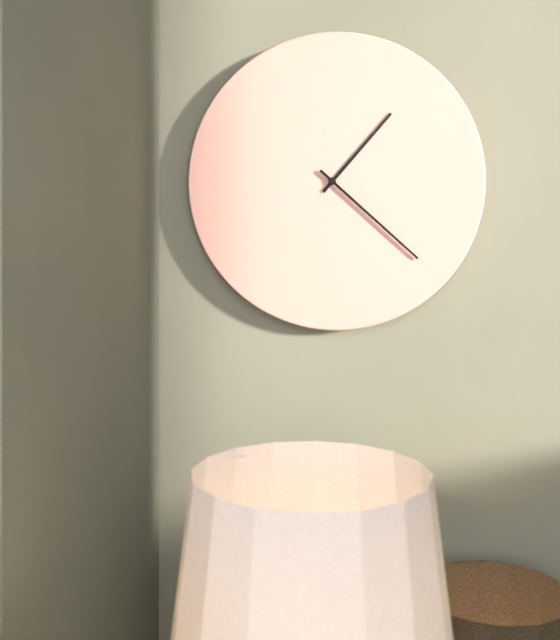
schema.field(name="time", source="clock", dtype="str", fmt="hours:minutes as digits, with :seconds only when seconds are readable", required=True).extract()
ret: 1:22
